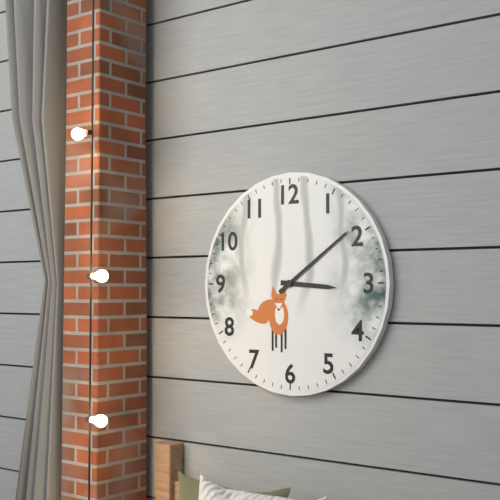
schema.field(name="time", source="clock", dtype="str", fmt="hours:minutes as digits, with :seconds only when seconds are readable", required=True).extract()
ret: 3:09
